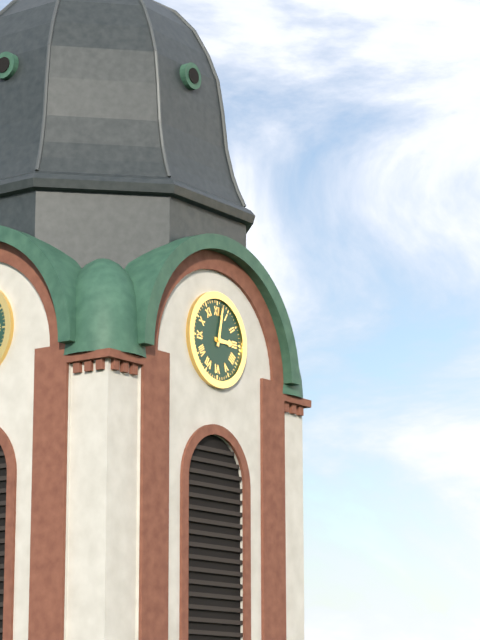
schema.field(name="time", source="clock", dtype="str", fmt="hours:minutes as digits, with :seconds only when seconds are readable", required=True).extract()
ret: 3:02
